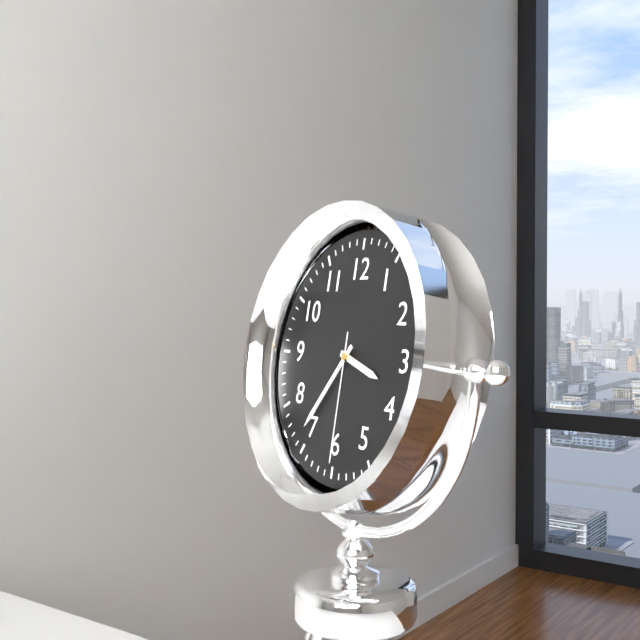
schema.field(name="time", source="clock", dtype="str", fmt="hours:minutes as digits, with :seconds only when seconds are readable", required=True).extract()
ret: 3:36:30
